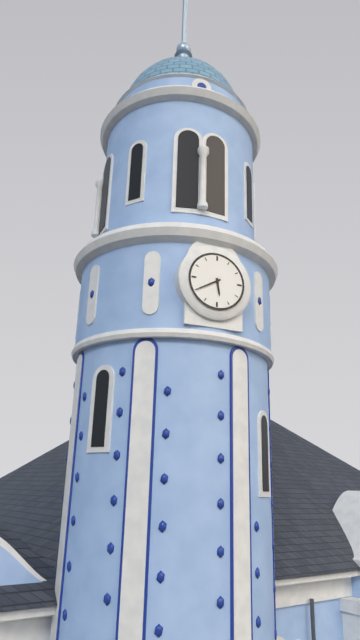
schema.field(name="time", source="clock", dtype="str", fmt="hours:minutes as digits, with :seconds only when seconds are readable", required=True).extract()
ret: 5:40
